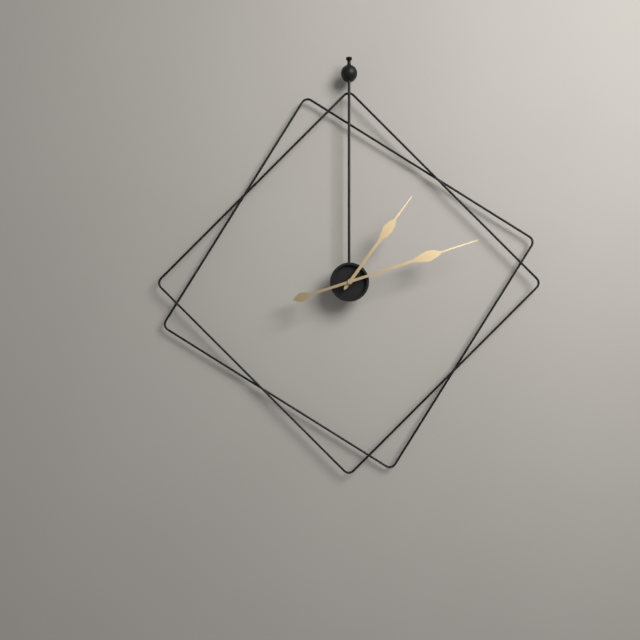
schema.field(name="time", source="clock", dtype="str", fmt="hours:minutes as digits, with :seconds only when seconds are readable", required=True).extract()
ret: 1:12
